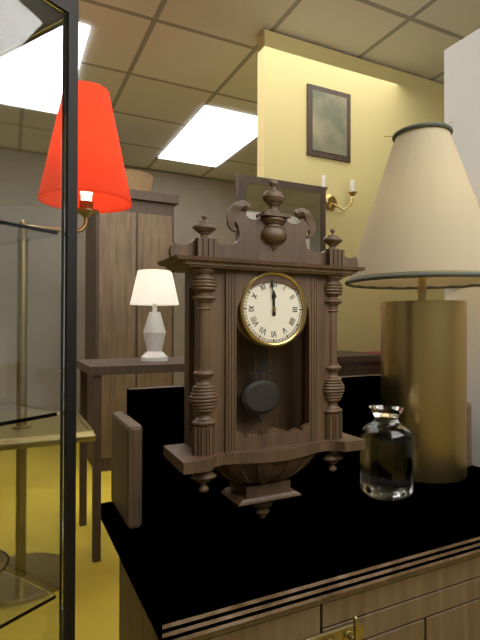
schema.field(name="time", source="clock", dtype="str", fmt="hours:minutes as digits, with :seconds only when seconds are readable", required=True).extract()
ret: 11:59
